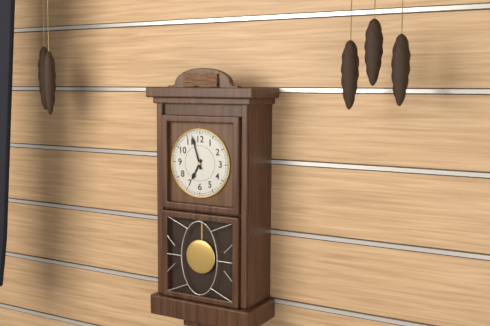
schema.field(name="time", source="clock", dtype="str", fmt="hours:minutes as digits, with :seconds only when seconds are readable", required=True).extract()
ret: 6:57
